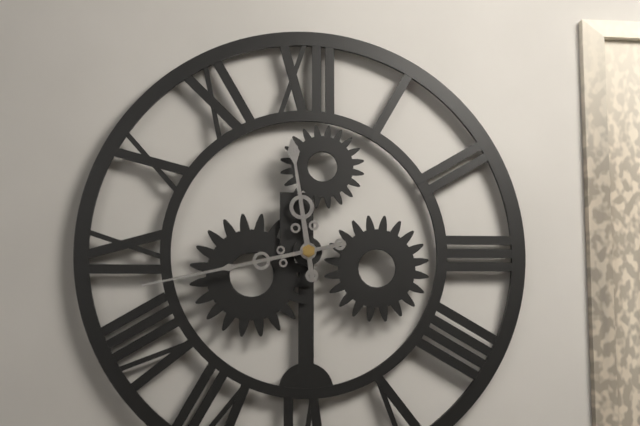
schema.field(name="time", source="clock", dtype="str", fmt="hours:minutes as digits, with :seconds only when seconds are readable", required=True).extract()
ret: 11:43
